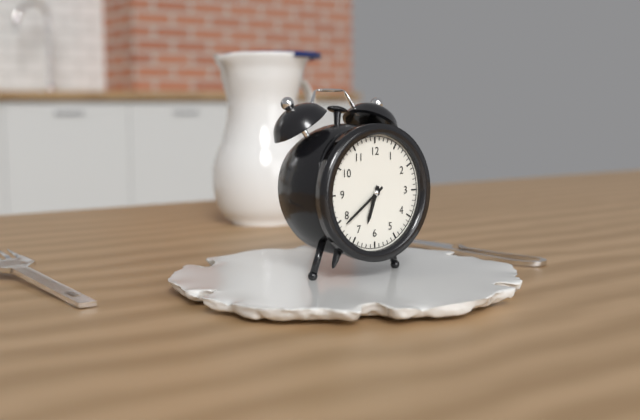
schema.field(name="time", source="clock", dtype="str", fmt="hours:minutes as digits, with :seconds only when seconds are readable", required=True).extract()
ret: 6:39
